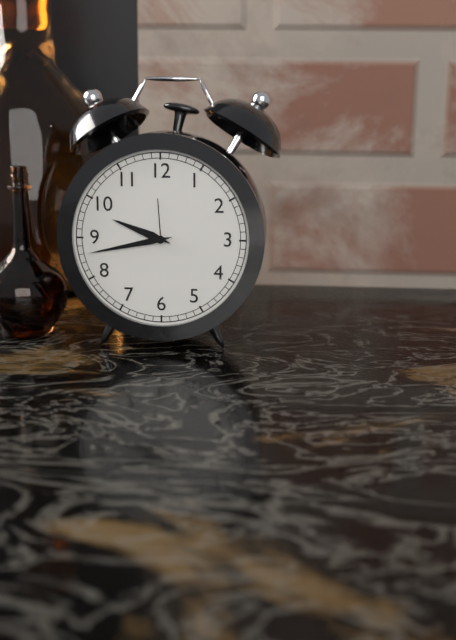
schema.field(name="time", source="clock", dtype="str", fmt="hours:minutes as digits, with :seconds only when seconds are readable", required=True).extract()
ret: 9:43
